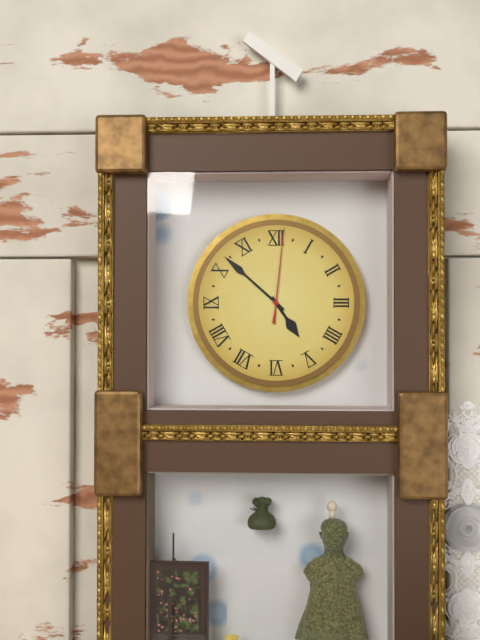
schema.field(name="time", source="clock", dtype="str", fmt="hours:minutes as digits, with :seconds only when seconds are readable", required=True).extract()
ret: 4:52:01
